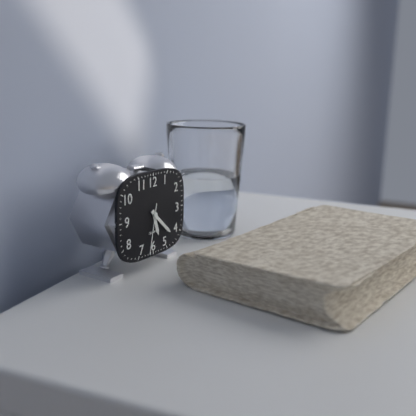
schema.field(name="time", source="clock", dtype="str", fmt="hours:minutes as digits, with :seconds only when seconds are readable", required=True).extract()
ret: 5:22:32
